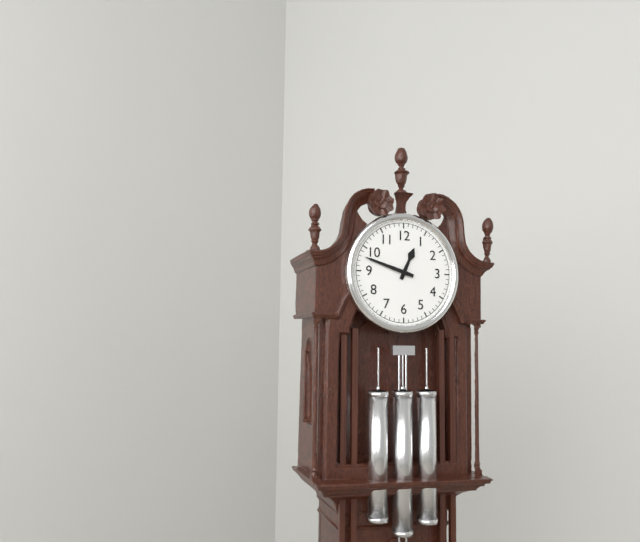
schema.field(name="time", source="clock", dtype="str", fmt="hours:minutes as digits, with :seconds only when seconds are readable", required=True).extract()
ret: 12:48
